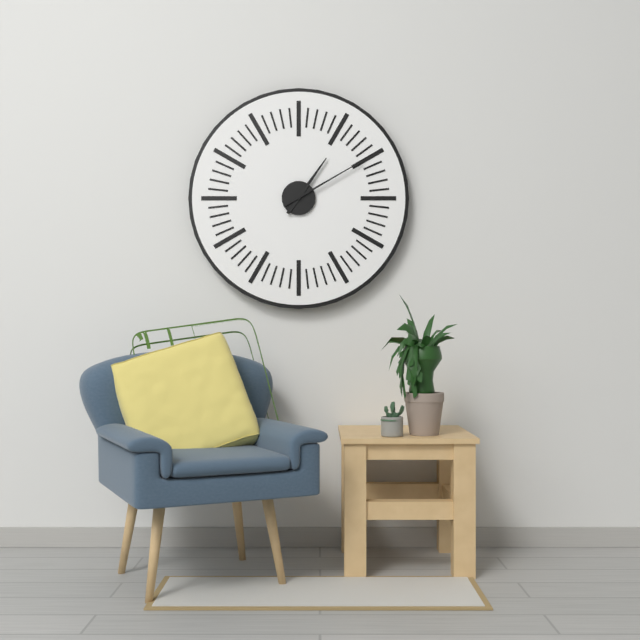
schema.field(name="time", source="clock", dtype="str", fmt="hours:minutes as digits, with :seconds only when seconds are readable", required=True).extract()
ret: 1:10
